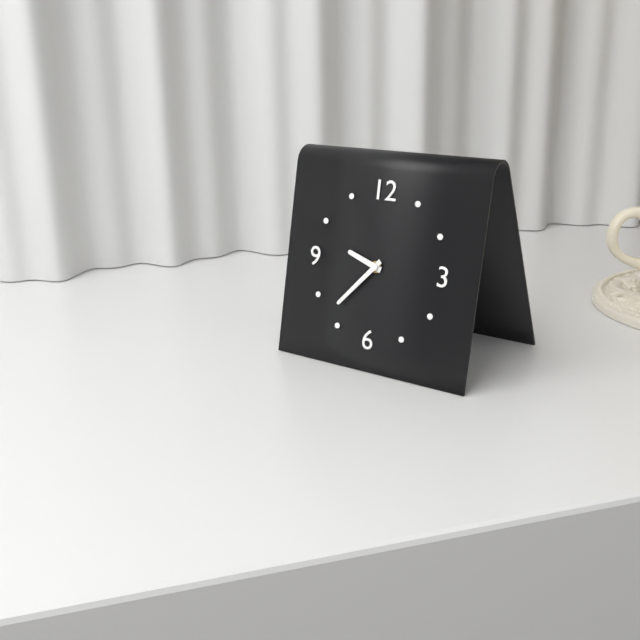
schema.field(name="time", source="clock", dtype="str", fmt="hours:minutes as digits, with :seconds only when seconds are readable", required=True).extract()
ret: 9:37
